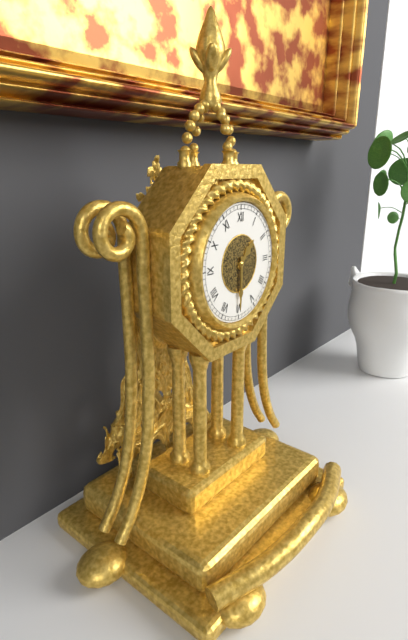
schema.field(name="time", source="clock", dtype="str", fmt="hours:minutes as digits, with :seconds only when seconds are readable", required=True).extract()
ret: 1:30
